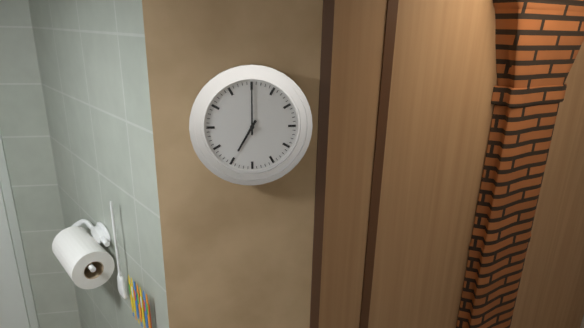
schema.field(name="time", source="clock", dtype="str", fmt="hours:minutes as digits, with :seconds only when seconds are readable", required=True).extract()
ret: 7:00
